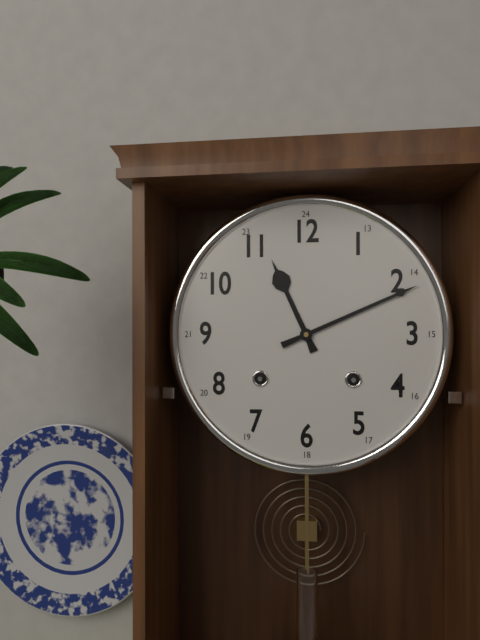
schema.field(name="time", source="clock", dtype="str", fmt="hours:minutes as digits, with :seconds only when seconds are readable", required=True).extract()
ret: 11:11
